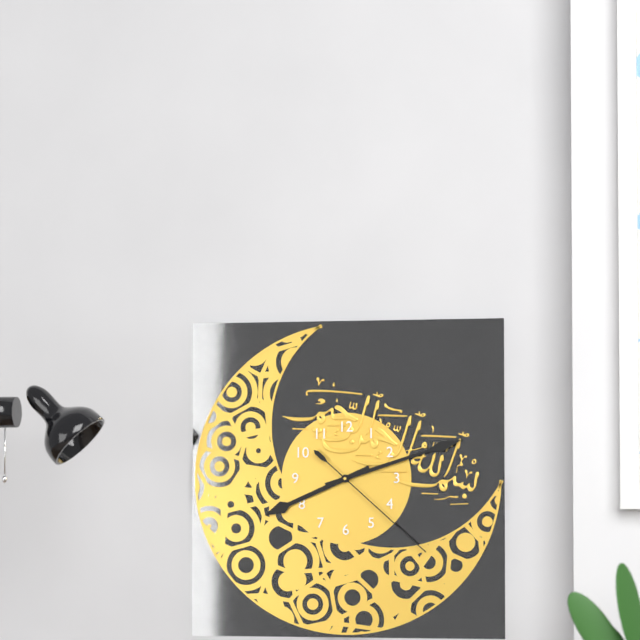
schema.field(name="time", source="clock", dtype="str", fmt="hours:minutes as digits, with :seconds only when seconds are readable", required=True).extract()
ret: 8:12:22
